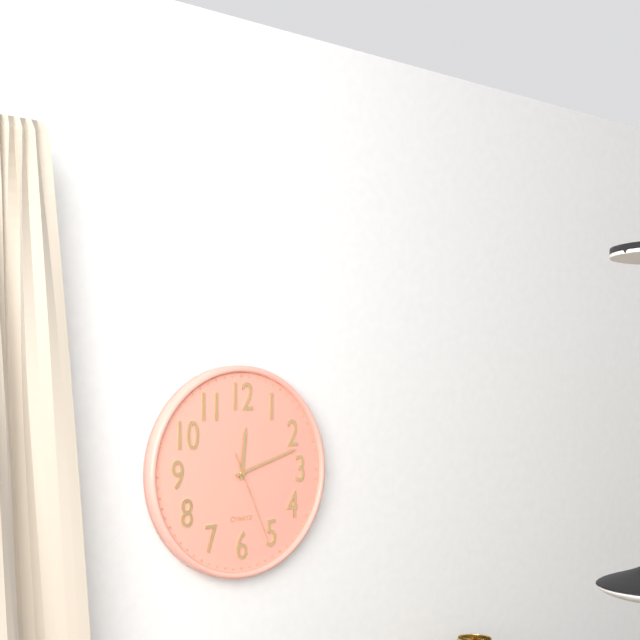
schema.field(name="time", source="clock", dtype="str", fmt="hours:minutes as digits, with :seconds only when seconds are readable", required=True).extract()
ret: 12:12:26
